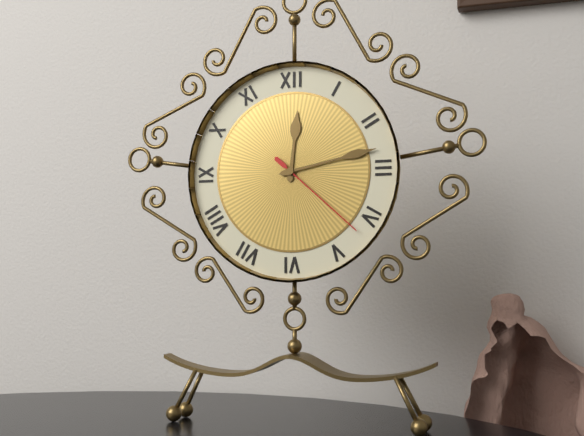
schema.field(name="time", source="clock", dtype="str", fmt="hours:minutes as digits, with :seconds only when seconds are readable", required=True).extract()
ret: 12:13:22
